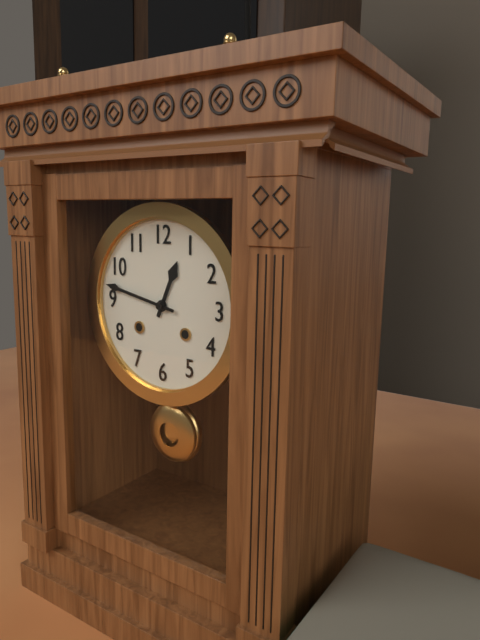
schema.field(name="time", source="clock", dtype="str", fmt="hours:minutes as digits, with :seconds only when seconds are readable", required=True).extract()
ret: 12:47
